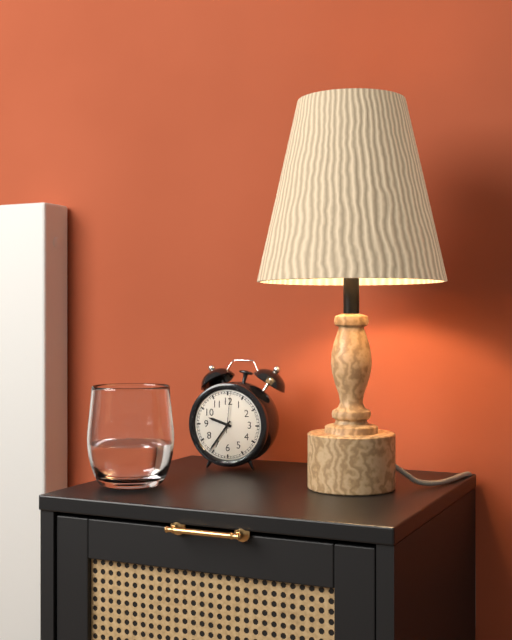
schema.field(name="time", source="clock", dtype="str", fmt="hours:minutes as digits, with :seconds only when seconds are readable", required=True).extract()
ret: 9:36
